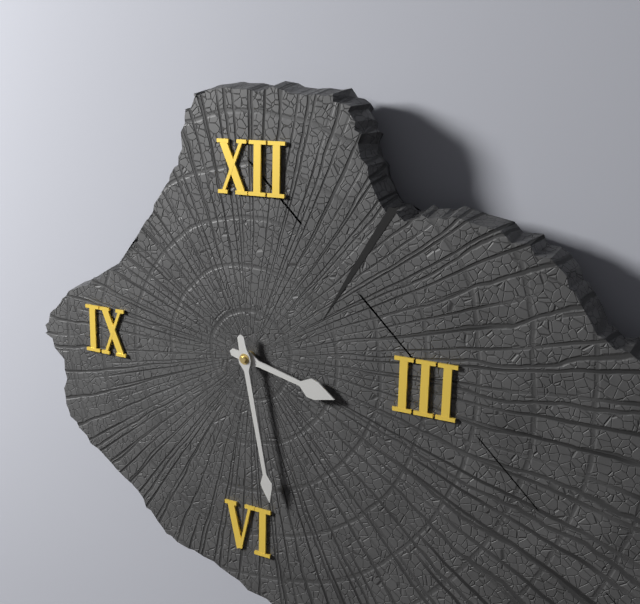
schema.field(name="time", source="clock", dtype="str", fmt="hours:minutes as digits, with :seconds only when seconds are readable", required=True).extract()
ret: 3:28
